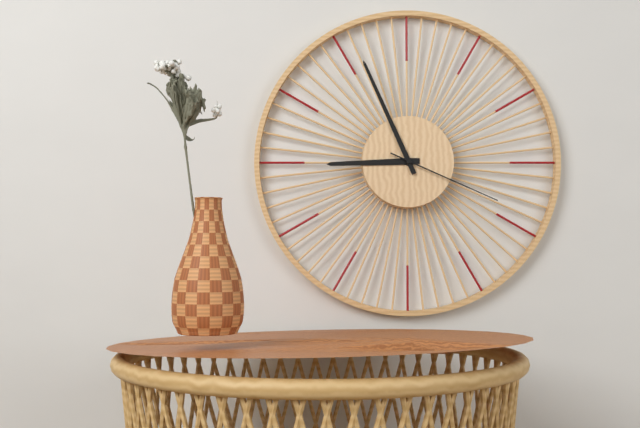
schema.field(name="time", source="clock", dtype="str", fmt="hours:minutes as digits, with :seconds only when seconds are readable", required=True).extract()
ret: 8:56:19
